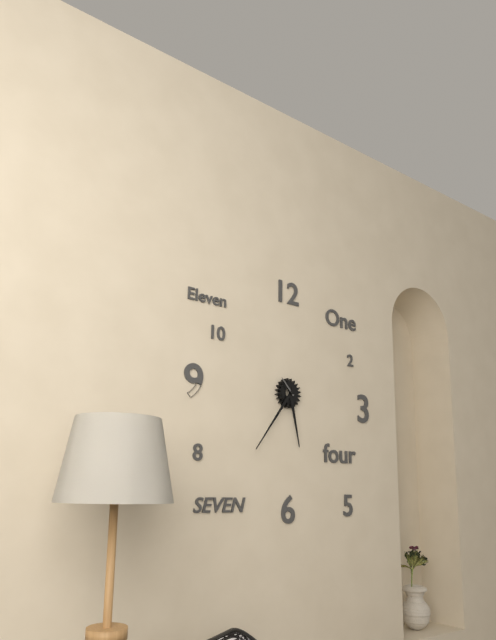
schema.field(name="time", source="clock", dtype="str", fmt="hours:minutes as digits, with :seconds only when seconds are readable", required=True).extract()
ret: 5:36
